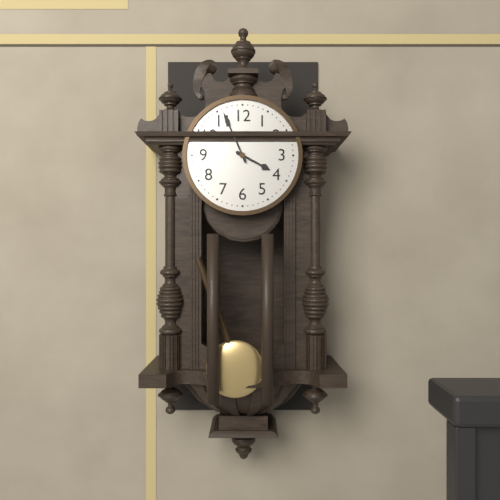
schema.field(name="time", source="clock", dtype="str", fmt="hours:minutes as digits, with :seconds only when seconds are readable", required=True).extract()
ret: 3:56
